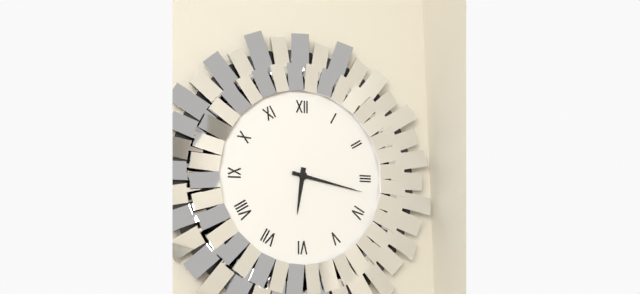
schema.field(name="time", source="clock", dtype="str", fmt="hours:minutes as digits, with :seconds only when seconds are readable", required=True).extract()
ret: 6:17
